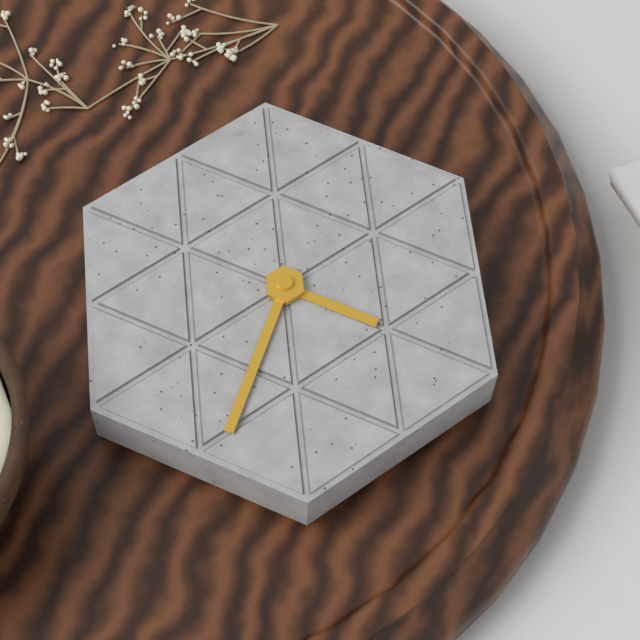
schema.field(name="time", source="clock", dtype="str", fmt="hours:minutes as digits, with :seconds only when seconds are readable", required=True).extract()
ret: 8:59
